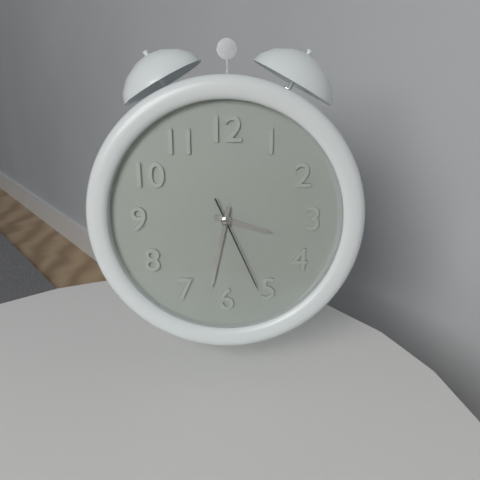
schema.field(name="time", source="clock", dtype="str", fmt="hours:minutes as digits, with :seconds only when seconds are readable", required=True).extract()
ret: 3:32:26
